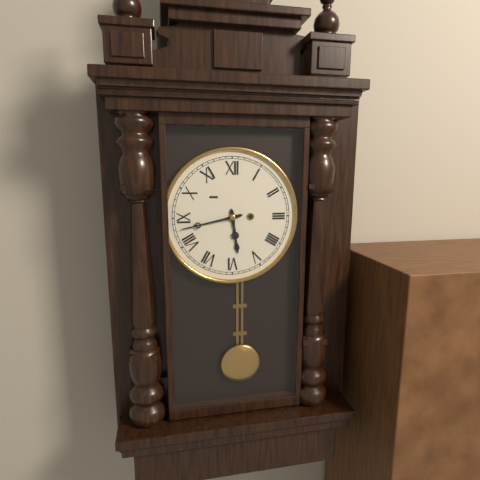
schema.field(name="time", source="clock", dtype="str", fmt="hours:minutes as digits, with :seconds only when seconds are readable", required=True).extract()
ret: 5:43
